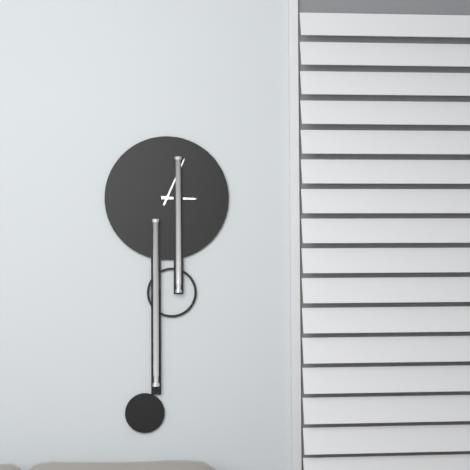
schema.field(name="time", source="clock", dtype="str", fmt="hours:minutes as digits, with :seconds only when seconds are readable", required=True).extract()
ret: 3:04
